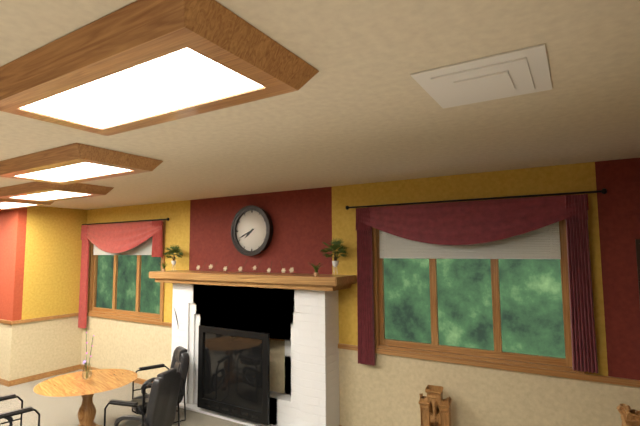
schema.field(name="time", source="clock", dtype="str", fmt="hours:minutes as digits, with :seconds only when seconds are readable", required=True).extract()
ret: 7:41
